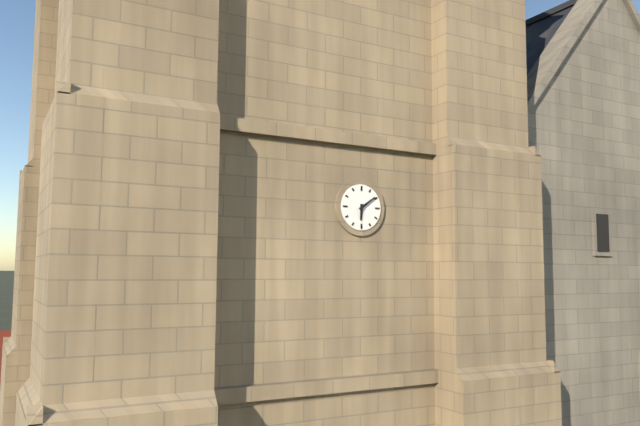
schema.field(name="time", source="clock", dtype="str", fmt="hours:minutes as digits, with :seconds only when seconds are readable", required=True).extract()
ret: 6:09
